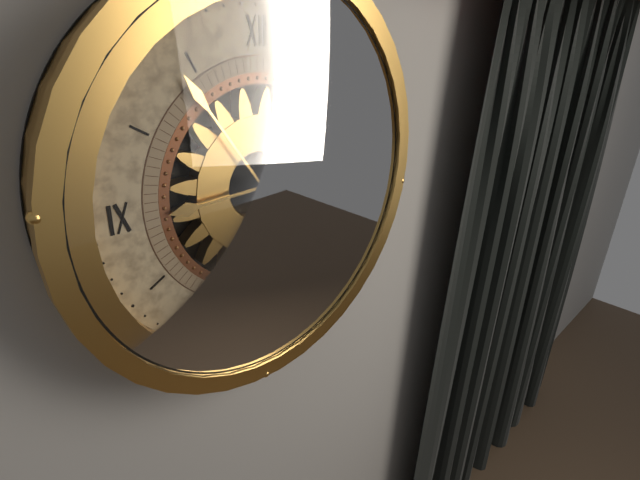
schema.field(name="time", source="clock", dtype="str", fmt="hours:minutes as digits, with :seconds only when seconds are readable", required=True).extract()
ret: 8:54
